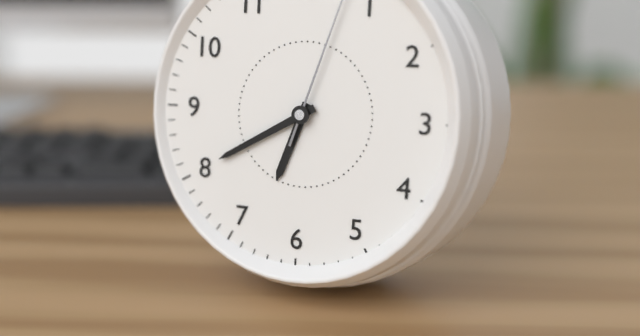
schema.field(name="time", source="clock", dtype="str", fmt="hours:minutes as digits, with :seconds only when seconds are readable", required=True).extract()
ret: 6:40
